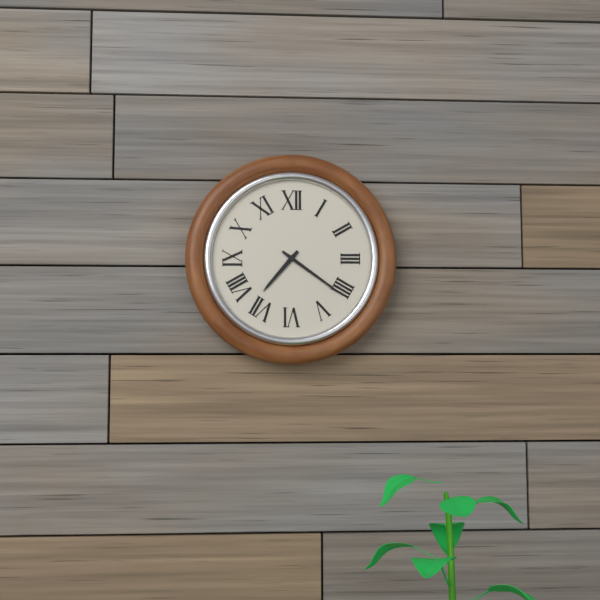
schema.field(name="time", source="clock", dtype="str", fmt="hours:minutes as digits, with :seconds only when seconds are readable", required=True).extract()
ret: 7:21
